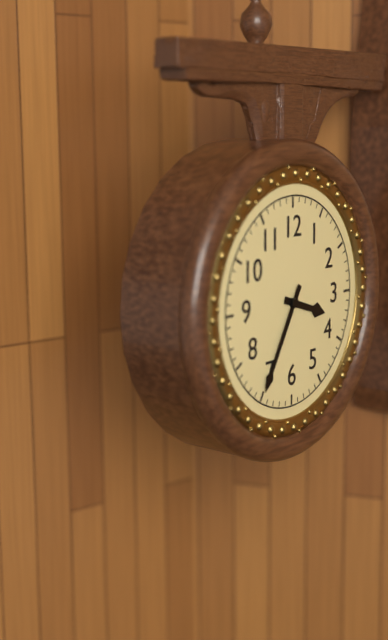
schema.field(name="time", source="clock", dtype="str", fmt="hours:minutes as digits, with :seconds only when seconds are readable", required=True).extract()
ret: 3:35
